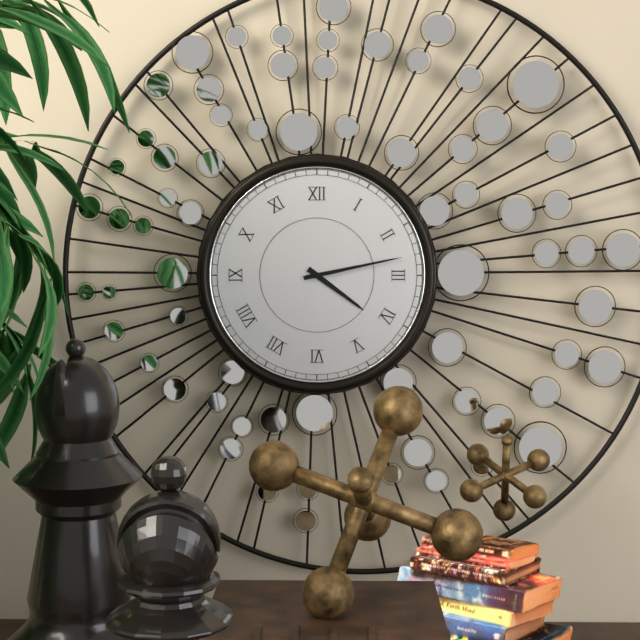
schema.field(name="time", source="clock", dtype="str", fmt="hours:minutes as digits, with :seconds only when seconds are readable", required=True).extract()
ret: 4:13
